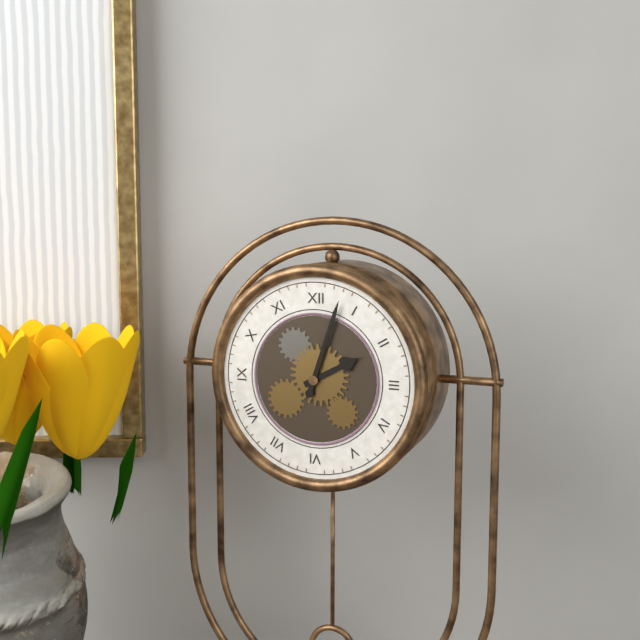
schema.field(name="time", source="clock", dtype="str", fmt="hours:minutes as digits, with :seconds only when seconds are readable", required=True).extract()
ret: 2:03
